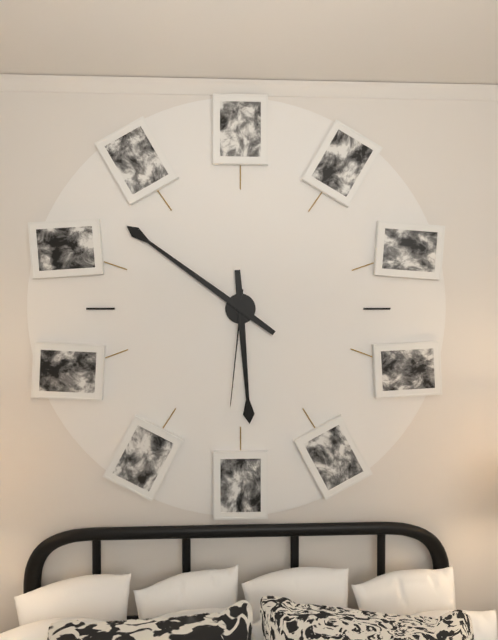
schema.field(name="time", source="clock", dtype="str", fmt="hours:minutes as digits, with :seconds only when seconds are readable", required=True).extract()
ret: 5:51:31
